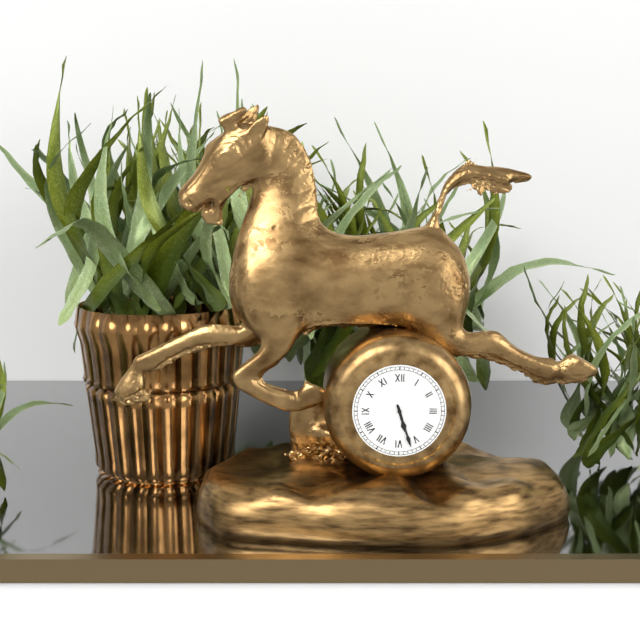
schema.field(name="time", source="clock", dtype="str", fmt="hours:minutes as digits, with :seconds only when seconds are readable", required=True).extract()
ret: 5:27
